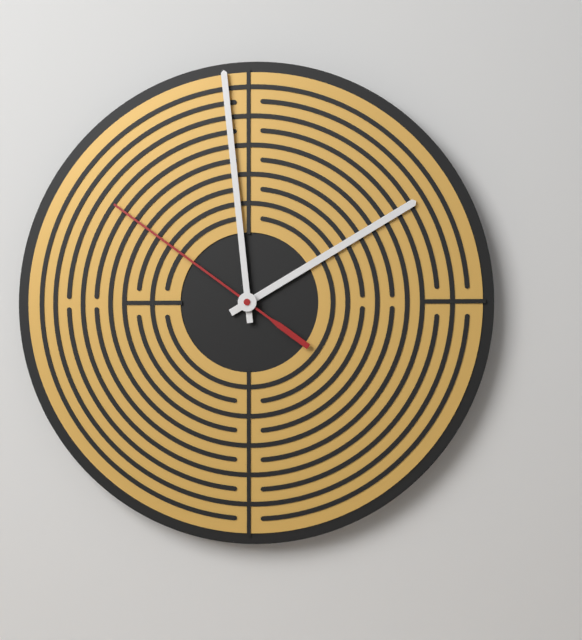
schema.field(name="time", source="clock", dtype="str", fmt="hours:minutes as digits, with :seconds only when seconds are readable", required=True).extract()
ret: 1:59:51
